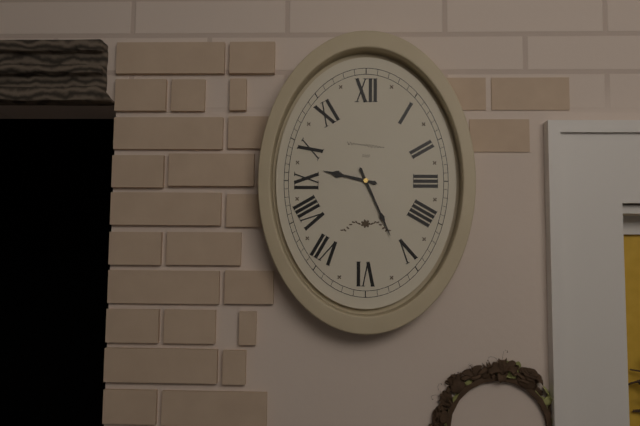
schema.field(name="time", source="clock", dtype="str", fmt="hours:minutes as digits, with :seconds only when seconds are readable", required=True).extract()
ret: 9:26
